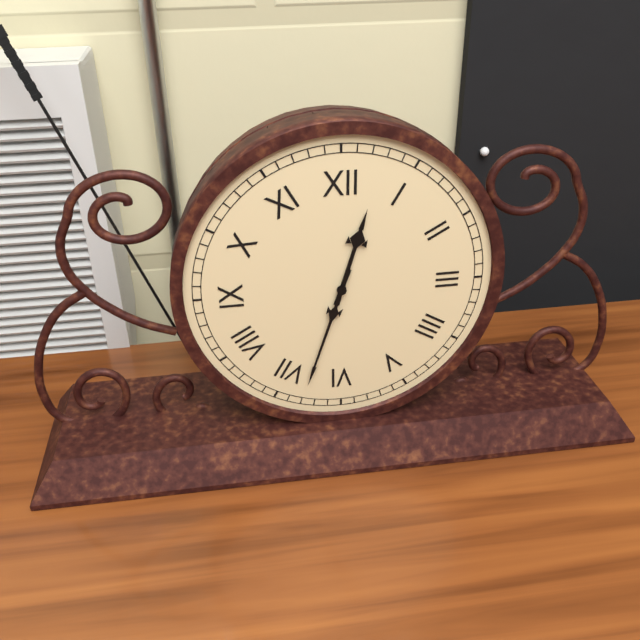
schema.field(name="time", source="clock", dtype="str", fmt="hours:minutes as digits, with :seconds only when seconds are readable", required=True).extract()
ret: 12:33
